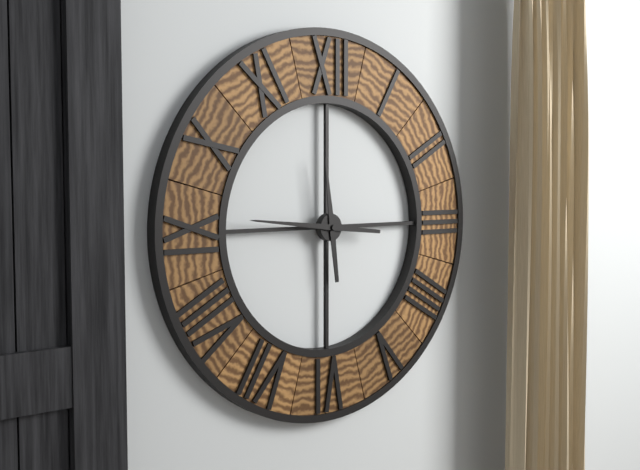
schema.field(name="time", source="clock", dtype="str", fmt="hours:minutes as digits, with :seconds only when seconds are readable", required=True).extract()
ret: 11:46
